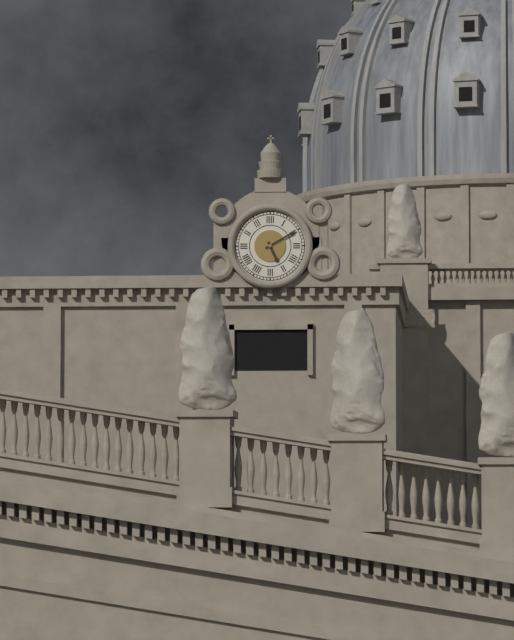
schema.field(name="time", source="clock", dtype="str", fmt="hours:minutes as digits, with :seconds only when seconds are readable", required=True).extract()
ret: 5:10
